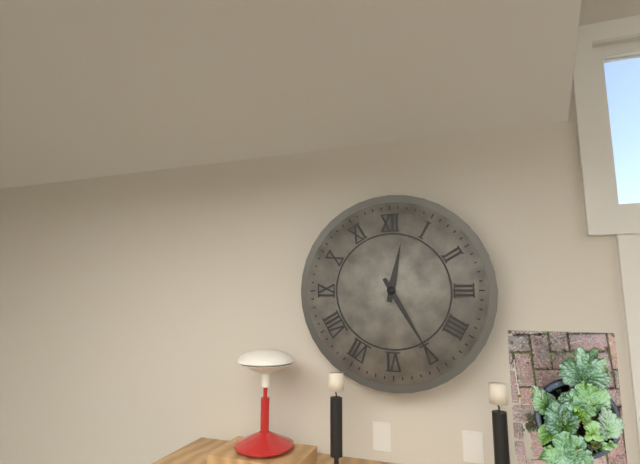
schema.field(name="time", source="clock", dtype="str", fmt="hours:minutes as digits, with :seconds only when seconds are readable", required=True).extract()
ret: 12:25
